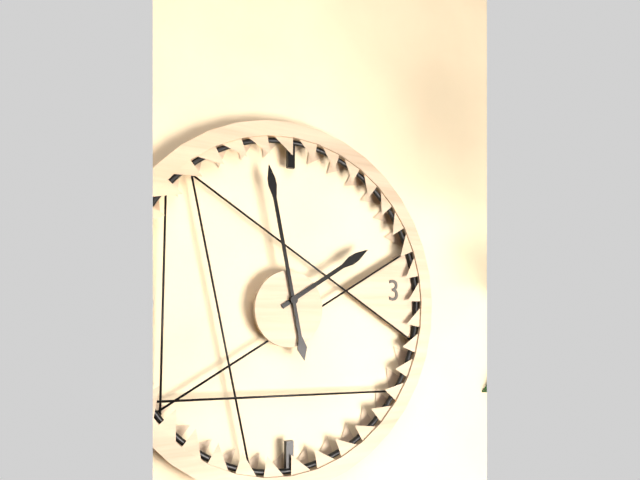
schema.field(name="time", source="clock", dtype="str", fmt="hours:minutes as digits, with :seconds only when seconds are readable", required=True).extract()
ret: 1:58
